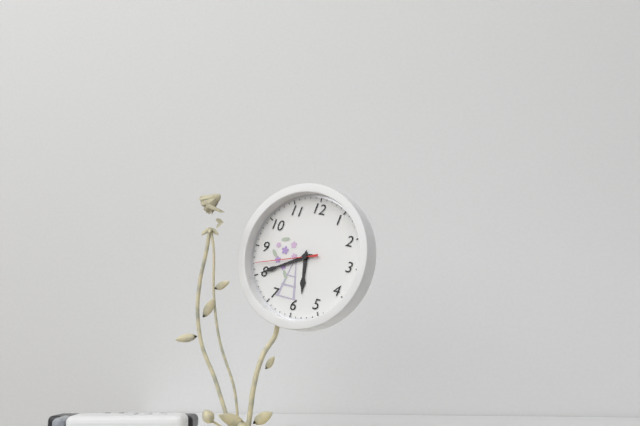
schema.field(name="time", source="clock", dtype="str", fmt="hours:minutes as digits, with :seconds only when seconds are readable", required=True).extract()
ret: 5:40:42
